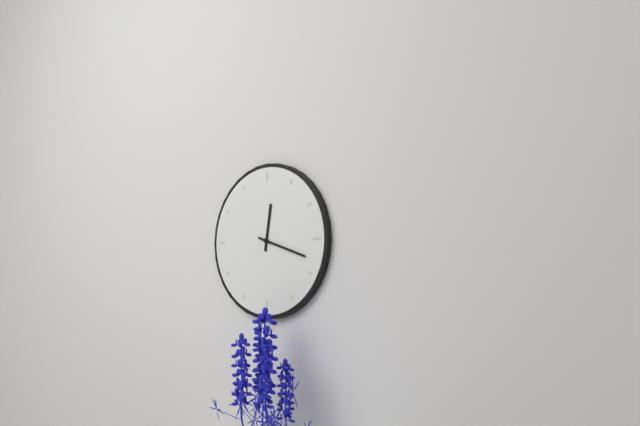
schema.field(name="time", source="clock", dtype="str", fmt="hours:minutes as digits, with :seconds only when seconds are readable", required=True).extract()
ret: 12:18
